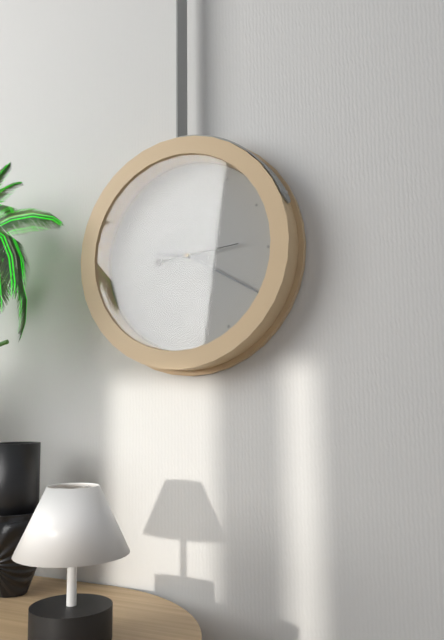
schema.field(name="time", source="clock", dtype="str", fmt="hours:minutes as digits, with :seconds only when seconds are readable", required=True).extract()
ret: 9:20:14
